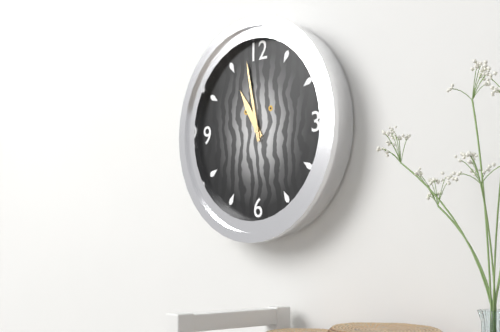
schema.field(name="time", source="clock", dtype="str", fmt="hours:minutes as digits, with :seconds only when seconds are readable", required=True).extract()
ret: 10:58
